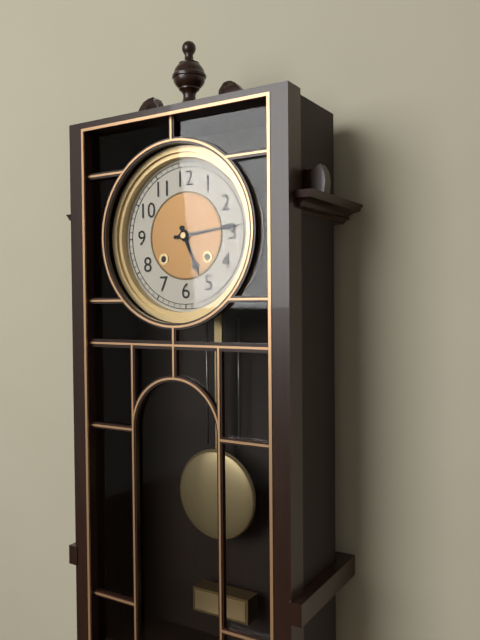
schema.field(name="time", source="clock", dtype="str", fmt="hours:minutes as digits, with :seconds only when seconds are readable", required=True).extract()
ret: 5:14
